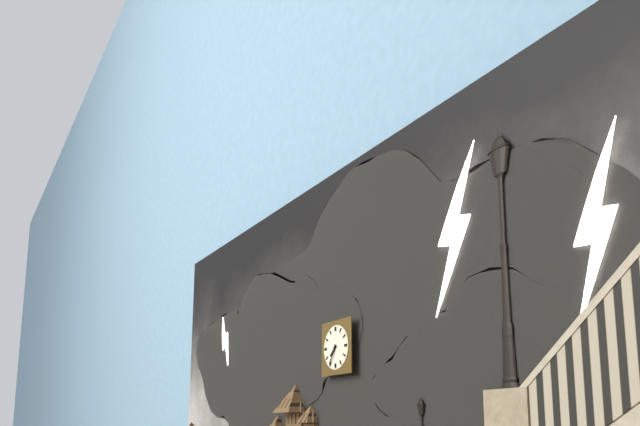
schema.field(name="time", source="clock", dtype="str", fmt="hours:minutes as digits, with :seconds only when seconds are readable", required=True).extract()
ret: 7:35
